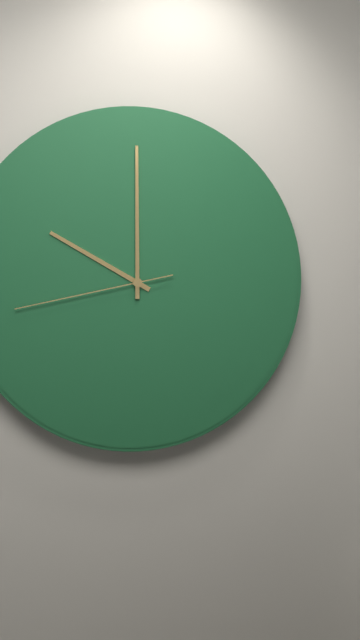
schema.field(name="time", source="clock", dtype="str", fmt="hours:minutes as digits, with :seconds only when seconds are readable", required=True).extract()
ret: 10:00:43
